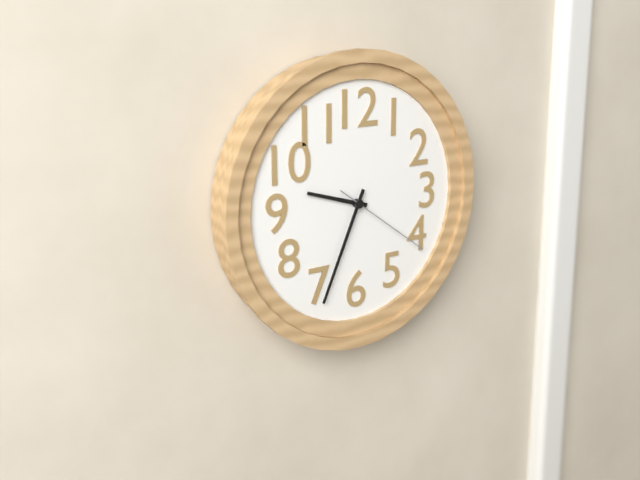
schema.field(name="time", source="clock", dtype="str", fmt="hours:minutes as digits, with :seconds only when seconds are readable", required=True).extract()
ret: 9:34:21
